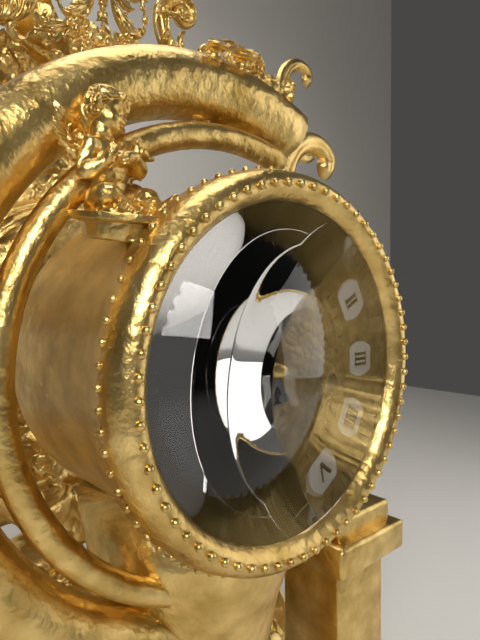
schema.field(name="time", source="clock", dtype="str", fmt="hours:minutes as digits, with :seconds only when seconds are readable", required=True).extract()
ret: 5:58
